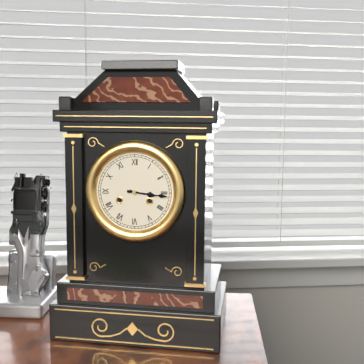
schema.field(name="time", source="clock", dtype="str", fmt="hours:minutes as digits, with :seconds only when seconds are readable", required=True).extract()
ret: 3:16
